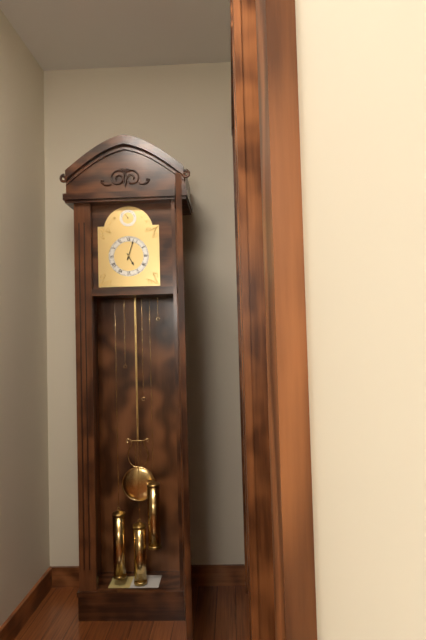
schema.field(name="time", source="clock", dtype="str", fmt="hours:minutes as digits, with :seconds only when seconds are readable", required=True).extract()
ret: 5:03
